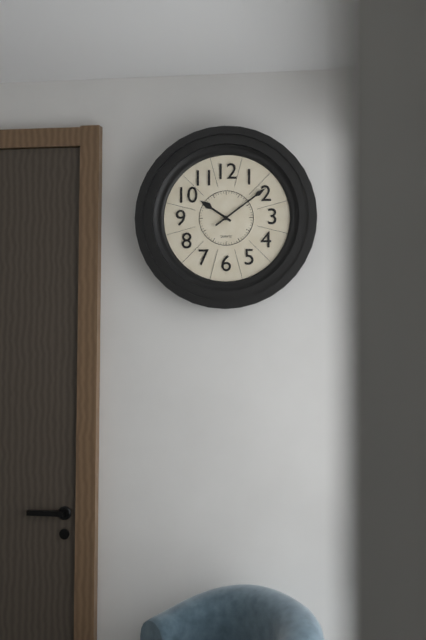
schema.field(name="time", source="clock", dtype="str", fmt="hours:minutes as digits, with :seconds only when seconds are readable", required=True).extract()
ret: 10:09
